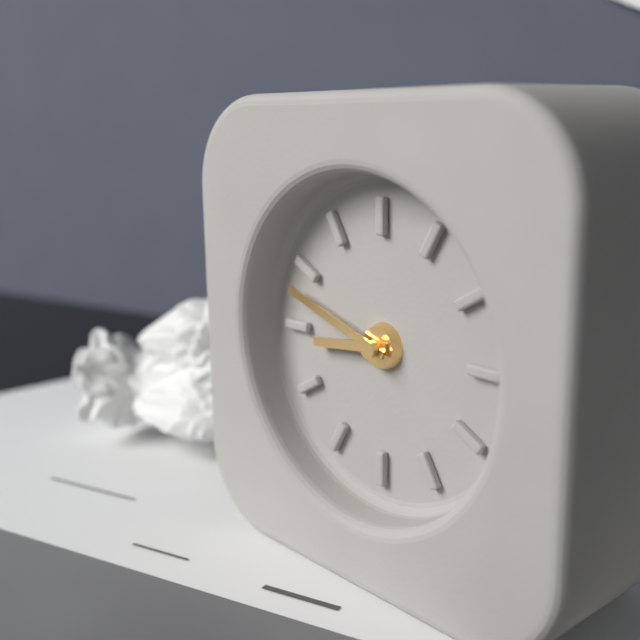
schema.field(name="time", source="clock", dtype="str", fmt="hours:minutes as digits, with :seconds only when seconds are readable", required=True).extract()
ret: 8:48
